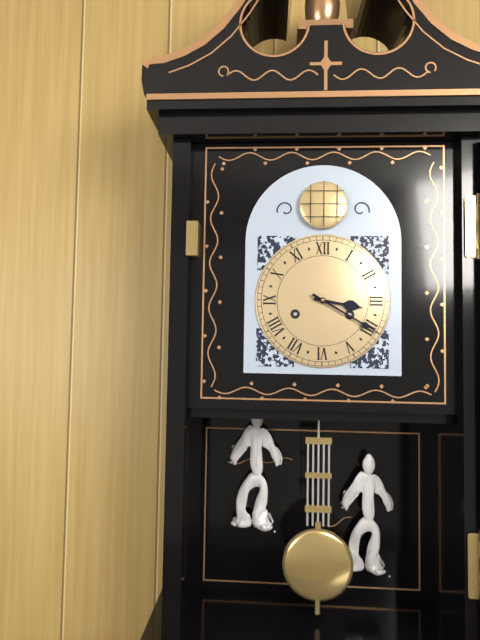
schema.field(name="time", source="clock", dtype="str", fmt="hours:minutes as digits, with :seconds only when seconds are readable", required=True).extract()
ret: 3:20
